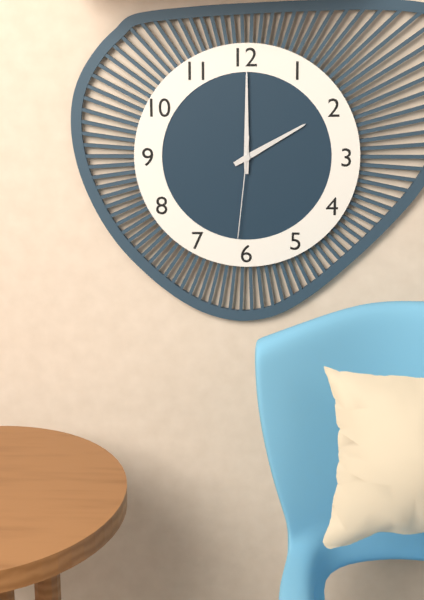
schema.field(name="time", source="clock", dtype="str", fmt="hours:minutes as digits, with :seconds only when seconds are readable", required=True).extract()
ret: 2:00:31
